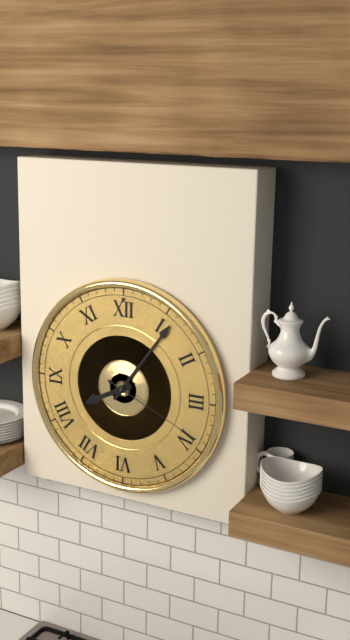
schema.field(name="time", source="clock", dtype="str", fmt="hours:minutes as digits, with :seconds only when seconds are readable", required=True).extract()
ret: 8:06:19
